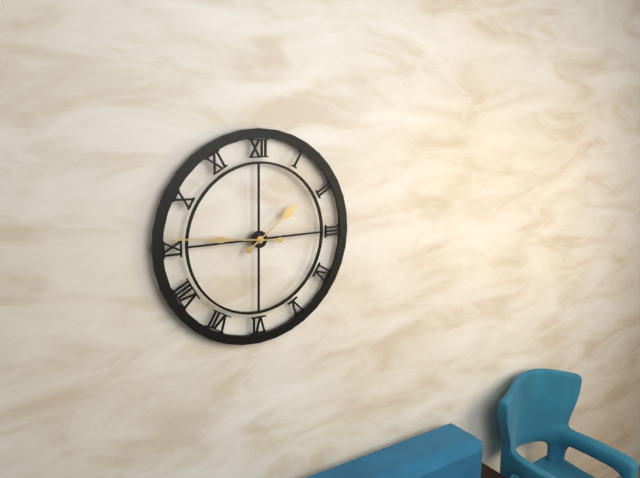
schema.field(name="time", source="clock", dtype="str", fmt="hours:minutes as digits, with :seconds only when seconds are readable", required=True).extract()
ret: 1:46
